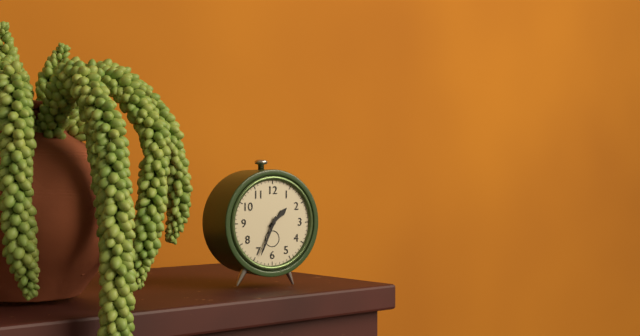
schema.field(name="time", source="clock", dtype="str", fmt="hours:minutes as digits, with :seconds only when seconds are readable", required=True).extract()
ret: 1:34
